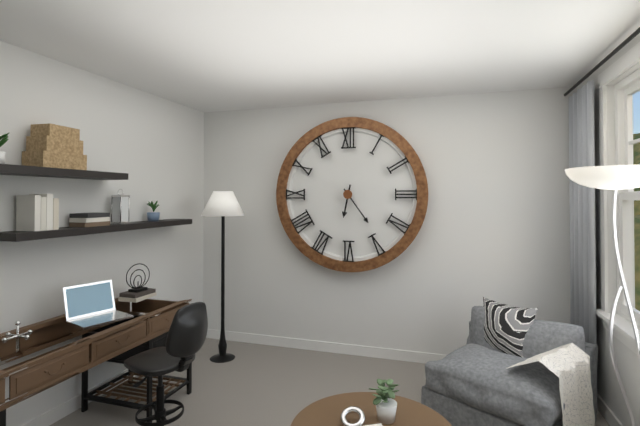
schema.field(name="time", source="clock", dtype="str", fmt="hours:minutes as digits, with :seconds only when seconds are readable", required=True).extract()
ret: 6:24
